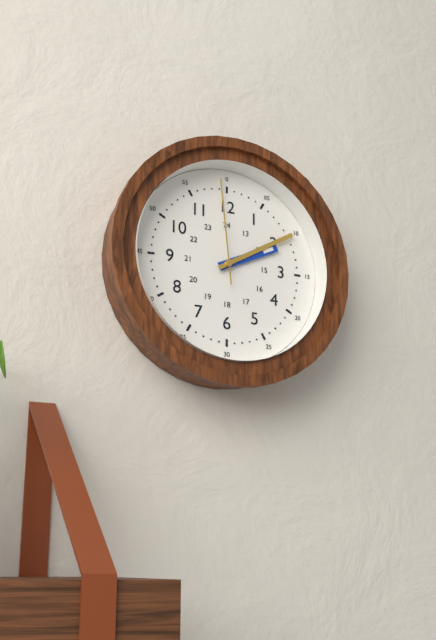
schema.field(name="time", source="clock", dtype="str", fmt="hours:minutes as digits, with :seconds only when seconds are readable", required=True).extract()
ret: 2:10:59
